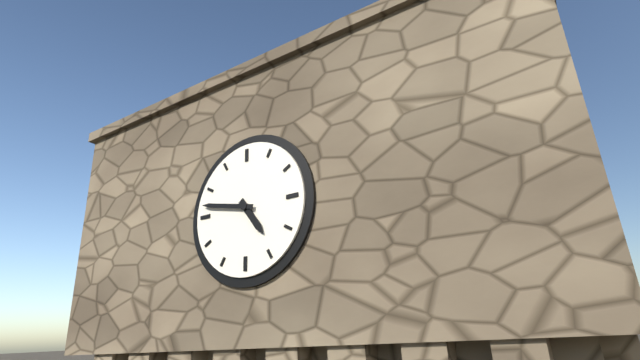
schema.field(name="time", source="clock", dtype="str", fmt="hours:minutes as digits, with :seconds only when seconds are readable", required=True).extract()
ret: 4:47
